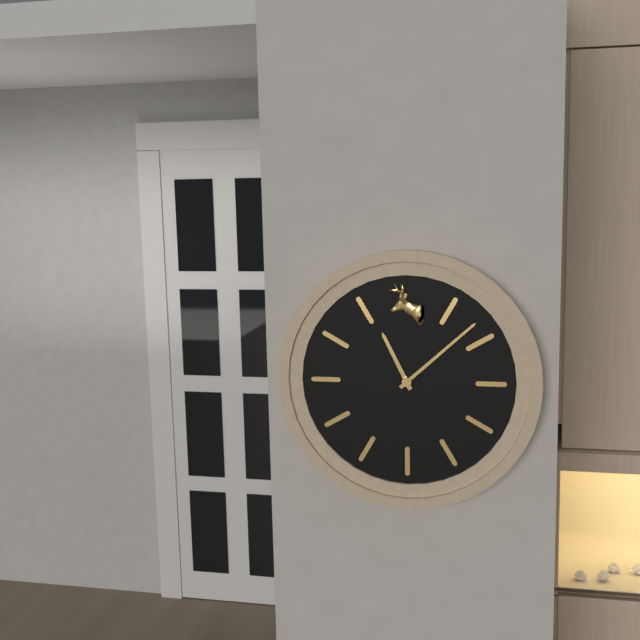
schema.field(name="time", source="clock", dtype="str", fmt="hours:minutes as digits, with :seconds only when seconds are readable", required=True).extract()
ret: 11:08
